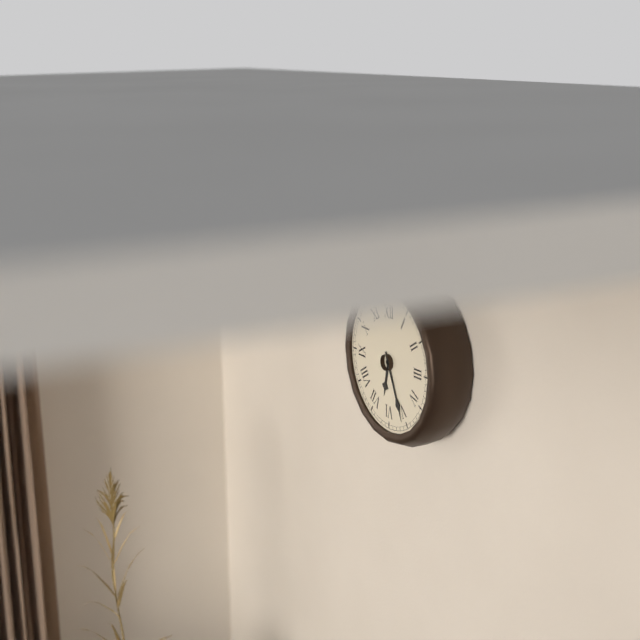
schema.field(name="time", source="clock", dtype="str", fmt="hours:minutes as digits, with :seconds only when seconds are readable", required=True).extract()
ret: 6:26
